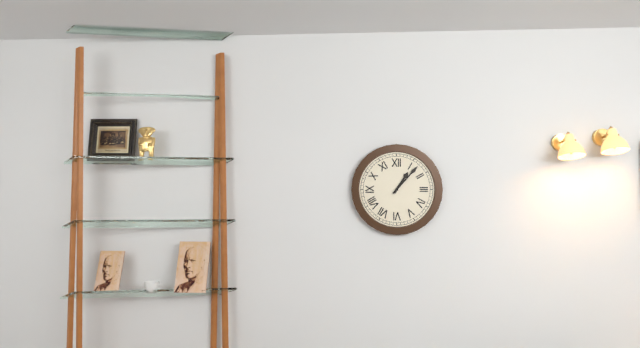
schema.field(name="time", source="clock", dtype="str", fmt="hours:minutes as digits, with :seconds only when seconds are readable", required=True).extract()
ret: 1:07
